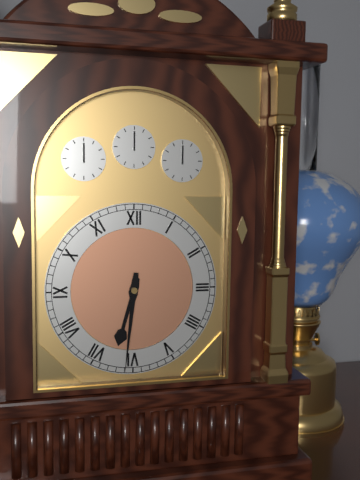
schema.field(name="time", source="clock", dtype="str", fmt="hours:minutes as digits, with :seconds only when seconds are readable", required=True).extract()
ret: 6:31
